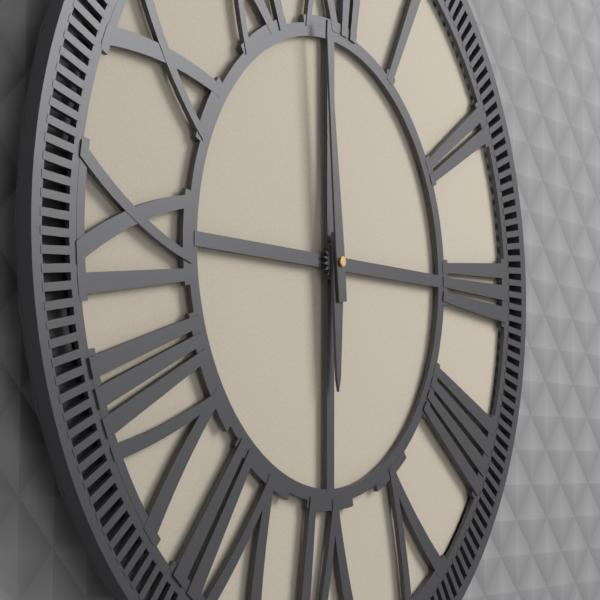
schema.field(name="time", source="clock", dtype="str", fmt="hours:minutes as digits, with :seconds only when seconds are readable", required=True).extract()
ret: 5:59
